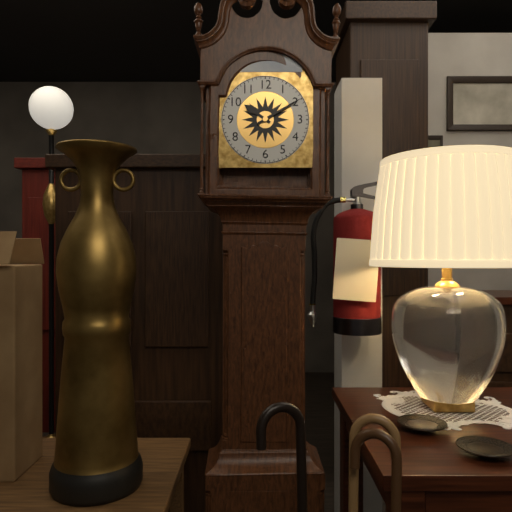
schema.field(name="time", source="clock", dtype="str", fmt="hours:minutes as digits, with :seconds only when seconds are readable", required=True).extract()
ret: 10:10
